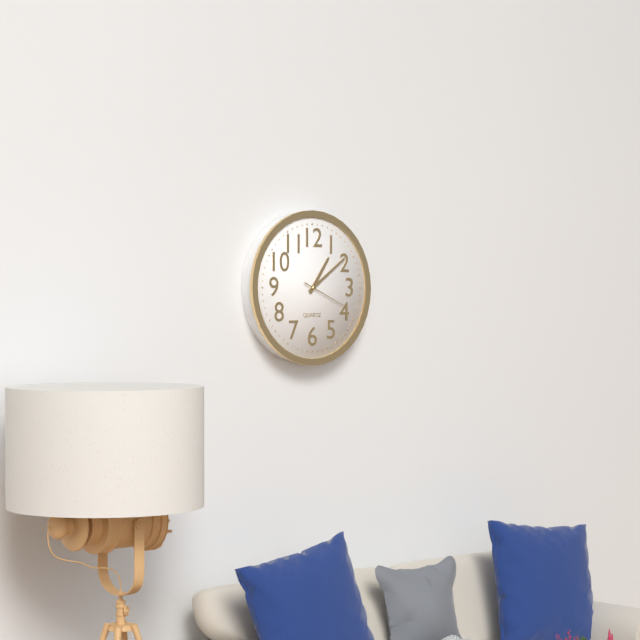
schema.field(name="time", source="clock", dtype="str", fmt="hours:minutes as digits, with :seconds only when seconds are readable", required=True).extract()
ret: 1:09
